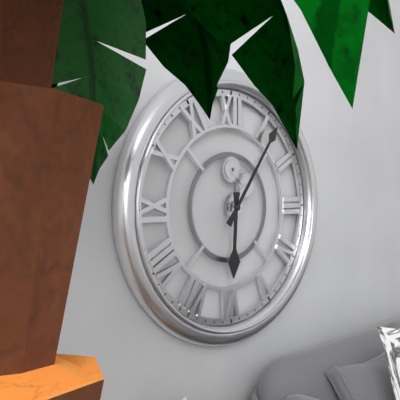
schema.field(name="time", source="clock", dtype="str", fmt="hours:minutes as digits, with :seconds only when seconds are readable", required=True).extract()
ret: 6:06
